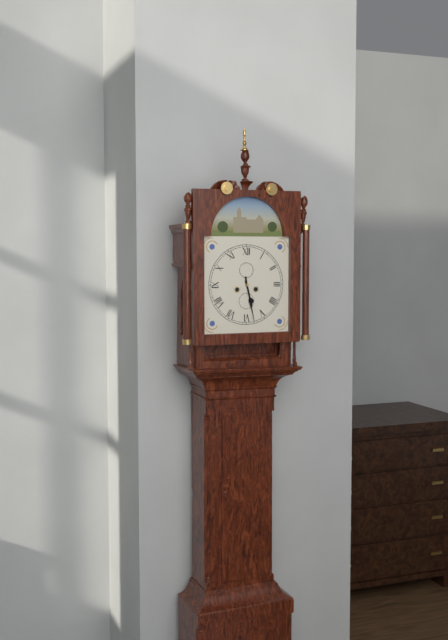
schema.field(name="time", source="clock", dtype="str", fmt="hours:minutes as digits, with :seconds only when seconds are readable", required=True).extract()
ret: 5:28
